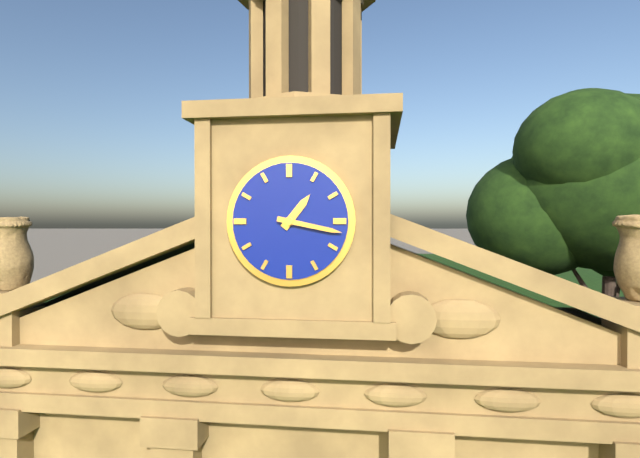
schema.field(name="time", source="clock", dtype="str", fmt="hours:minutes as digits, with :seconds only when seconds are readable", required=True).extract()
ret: 1:17
